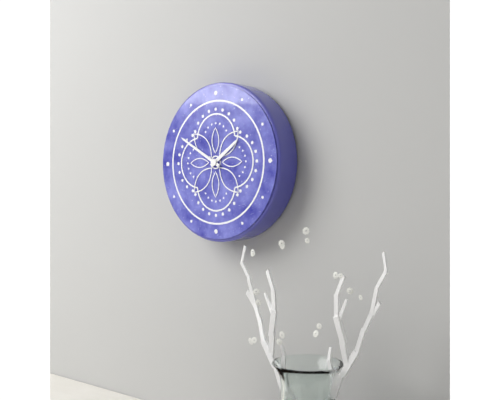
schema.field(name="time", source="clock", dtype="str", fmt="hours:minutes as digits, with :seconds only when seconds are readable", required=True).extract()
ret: 1:50
